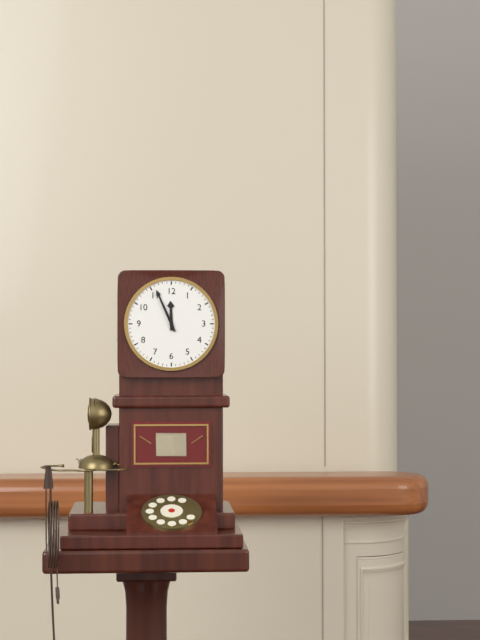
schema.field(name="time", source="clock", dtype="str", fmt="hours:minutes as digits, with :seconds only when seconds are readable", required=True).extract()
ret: 11:56
